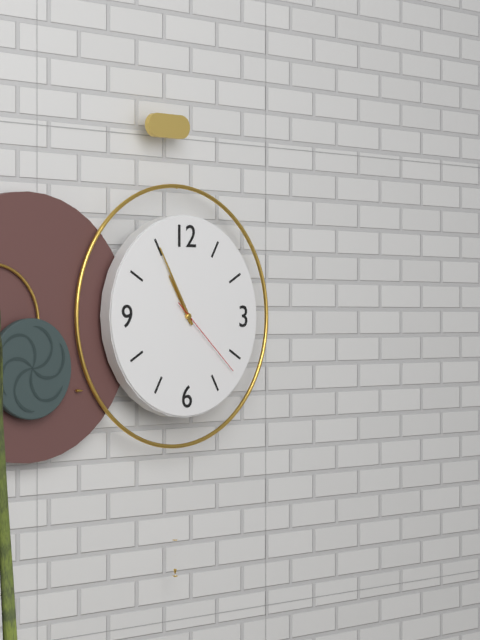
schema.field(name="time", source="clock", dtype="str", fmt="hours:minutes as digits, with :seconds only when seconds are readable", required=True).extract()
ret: 10:55:22
